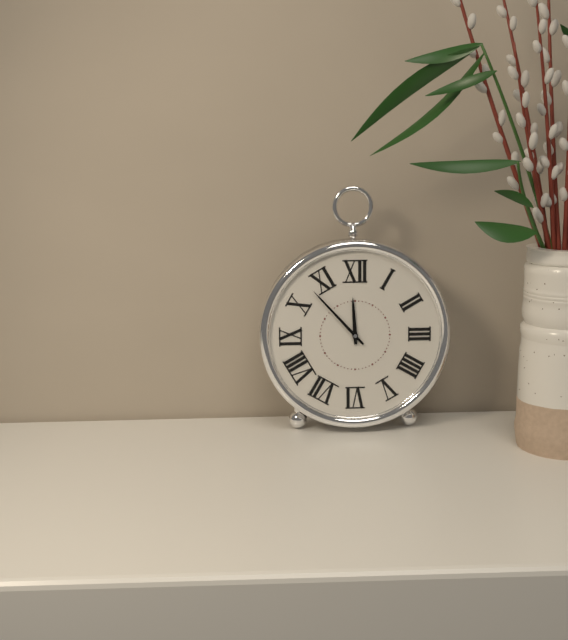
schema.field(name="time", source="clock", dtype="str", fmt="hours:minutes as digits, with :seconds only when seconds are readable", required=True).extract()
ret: 11:53
